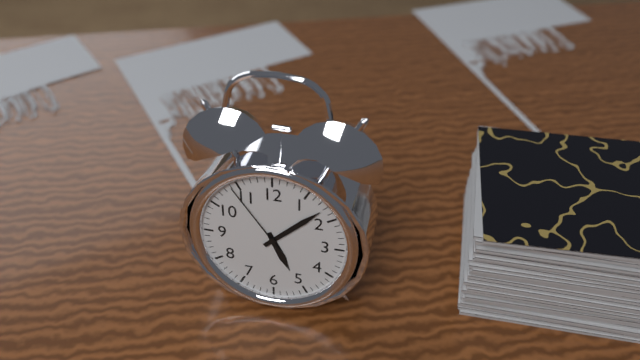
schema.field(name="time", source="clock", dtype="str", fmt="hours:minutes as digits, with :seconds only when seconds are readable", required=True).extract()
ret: 5:08:54
